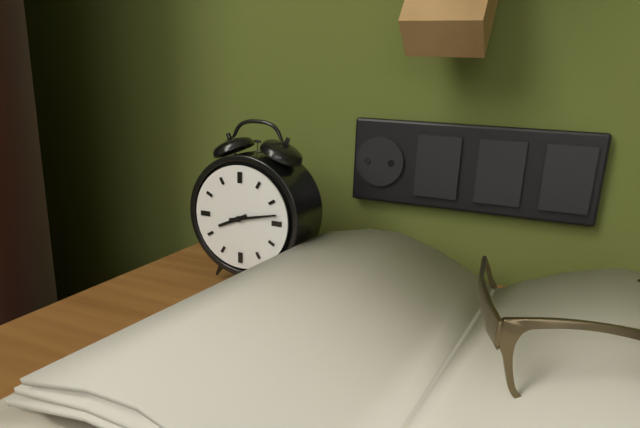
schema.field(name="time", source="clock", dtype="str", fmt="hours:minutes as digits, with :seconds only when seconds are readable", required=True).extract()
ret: 8:13
